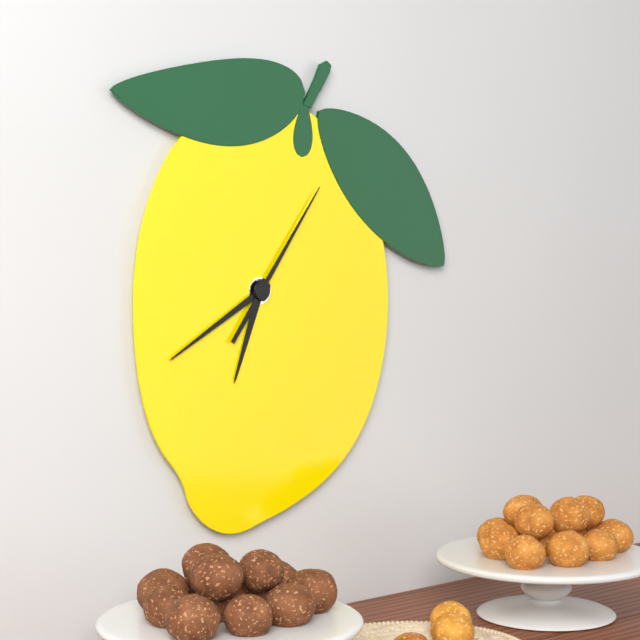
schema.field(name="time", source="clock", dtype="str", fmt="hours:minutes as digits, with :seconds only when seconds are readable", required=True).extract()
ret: 6:40:06
